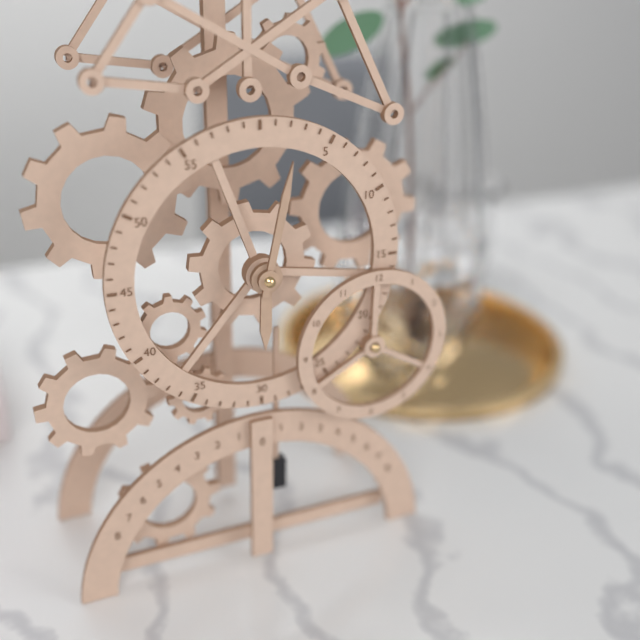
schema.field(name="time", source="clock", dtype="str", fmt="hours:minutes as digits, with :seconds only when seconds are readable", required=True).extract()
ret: 6:02
